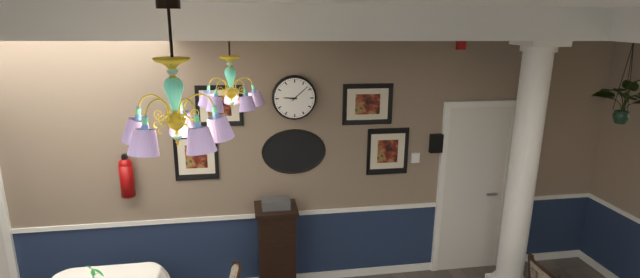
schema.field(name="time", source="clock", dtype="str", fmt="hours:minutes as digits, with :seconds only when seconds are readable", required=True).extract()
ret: 9:08
